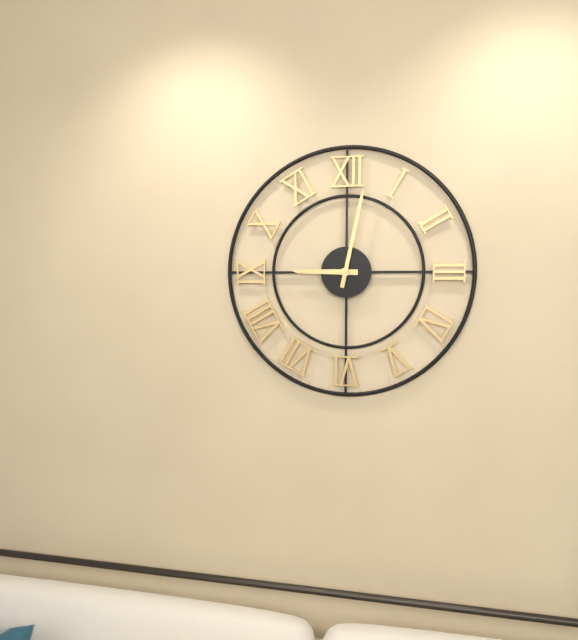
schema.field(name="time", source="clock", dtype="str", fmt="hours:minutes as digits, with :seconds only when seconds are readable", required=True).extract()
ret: 9:02
